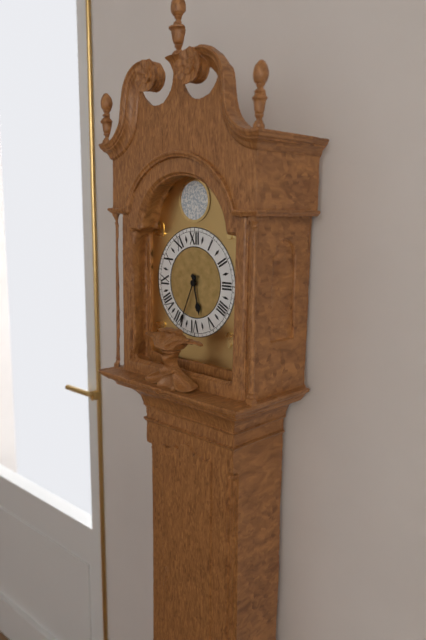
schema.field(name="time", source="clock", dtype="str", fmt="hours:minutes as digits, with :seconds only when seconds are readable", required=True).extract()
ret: 5:34
